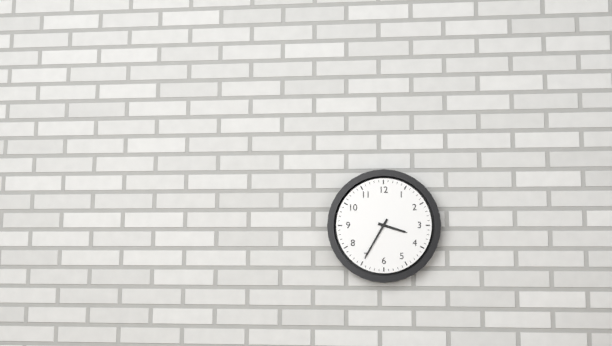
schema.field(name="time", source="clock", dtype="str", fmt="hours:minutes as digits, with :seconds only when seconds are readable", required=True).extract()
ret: 3:35
